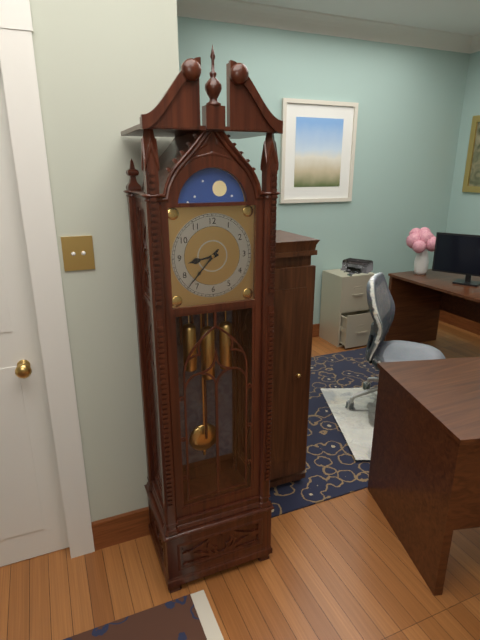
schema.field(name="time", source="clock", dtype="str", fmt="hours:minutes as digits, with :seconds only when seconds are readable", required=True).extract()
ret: 8:37
